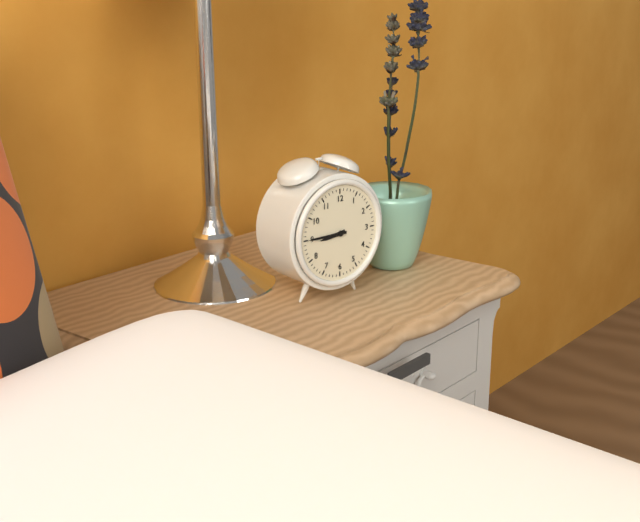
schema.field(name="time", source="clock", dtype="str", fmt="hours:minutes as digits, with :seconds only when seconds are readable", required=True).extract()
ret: 8:45
